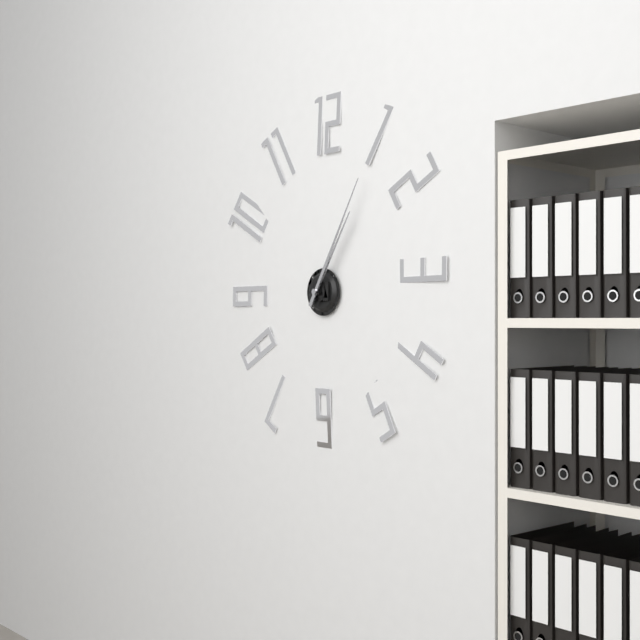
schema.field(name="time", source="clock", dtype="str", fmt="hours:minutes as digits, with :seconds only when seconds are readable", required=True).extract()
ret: 1:05
